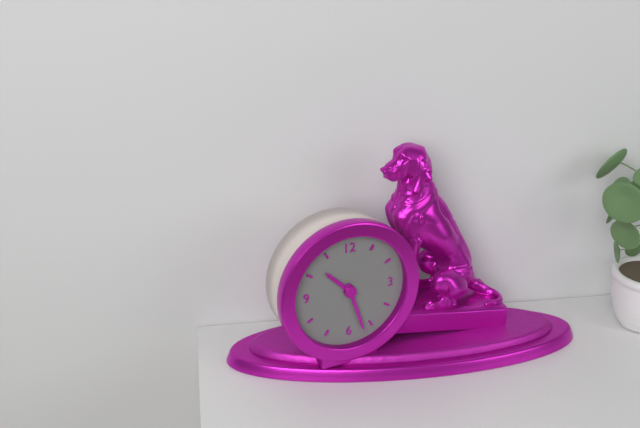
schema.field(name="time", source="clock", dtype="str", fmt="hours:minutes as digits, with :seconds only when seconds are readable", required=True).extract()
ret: 10:27
